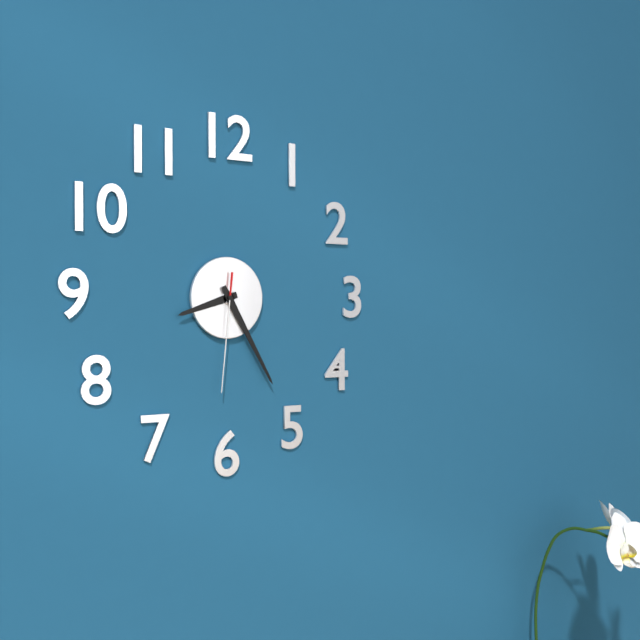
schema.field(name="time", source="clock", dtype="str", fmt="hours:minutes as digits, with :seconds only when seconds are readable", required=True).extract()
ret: 8:25:31
